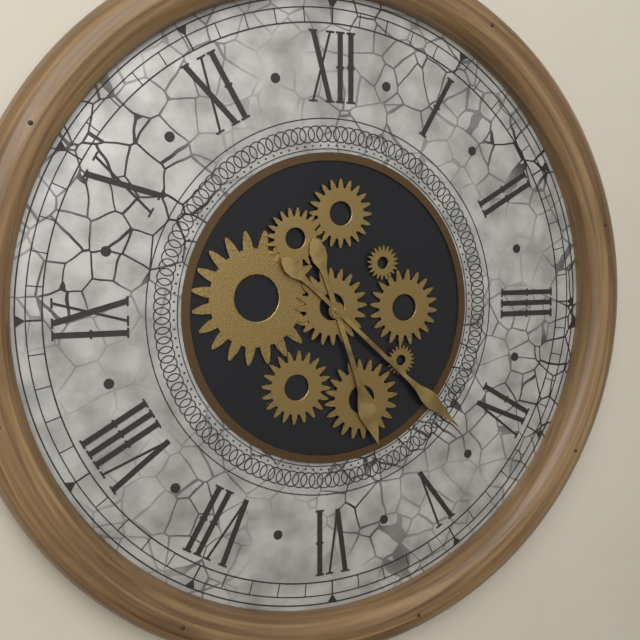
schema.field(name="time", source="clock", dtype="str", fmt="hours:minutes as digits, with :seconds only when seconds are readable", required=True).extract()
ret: 5:22
